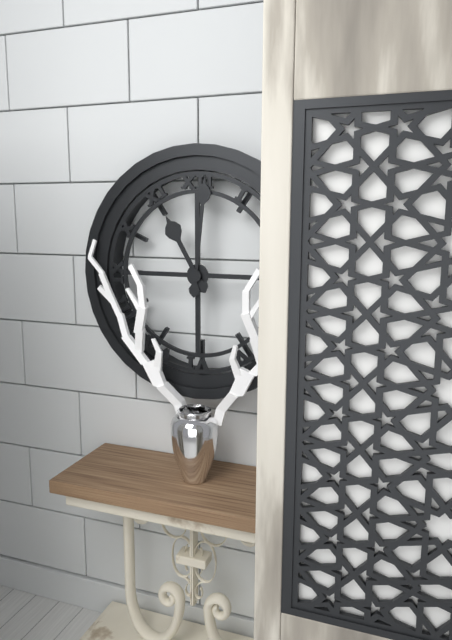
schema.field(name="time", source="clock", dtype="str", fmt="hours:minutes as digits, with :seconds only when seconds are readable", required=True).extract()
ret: 11:01
